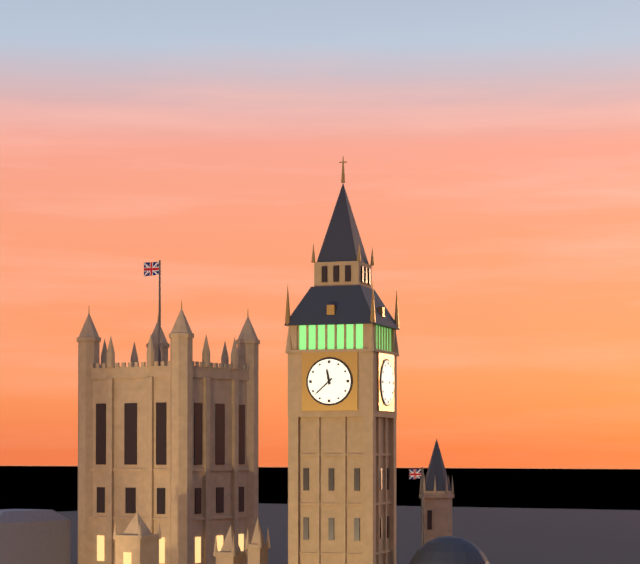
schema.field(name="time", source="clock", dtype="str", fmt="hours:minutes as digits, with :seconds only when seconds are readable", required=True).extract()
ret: 11:38
